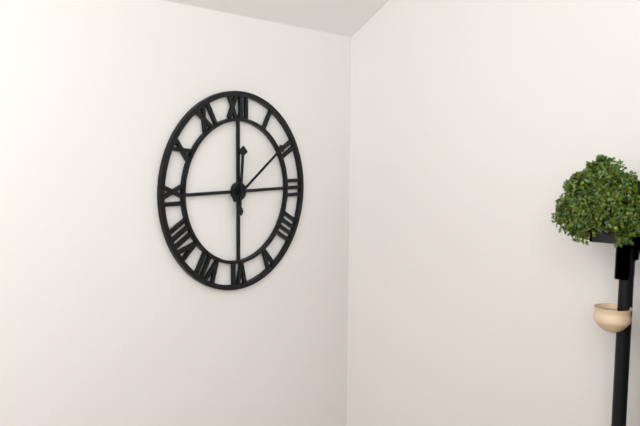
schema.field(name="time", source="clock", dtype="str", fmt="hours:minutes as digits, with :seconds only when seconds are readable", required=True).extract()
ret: 12:09
